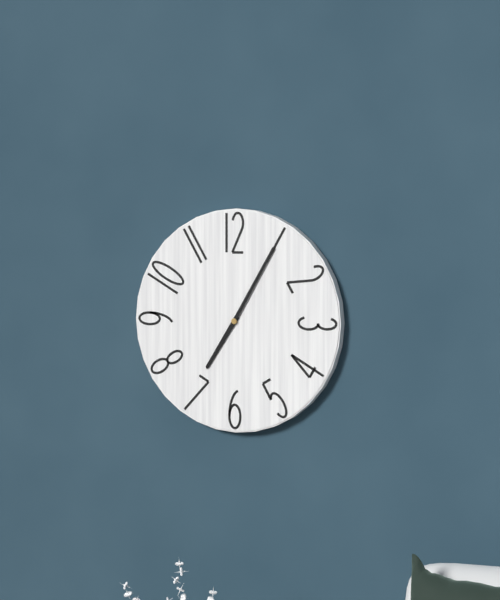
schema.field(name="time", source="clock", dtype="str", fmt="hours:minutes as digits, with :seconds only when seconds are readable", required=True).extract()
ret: 7:05
